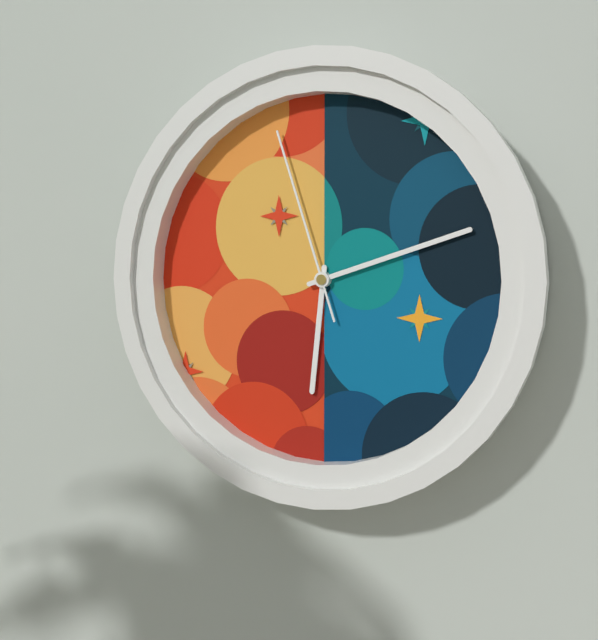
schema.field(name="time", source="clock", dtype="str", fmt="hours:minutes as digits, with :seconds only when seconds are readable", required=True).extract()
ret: 6:12:57
